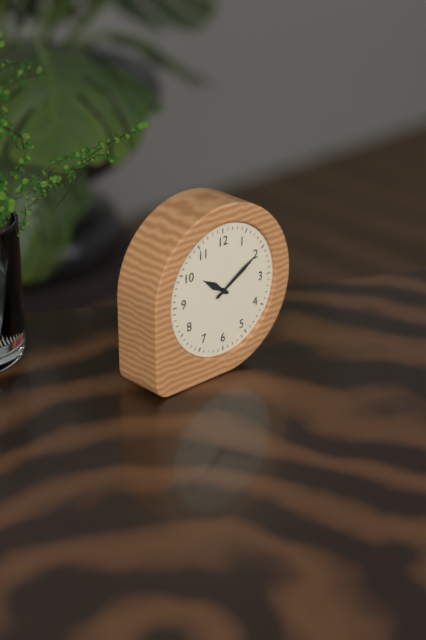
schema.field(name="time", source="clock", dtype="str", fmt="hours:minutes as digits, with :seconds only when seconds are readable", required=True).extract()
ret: 10:10
